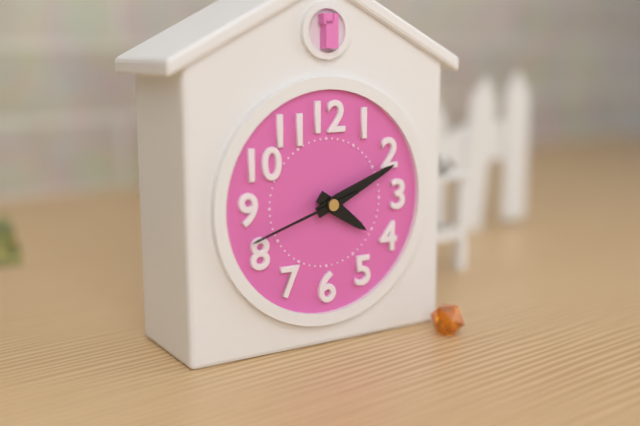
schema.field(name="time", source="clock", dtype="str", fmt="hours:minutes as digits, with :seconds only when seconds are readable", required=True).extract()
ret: 4:11:42
